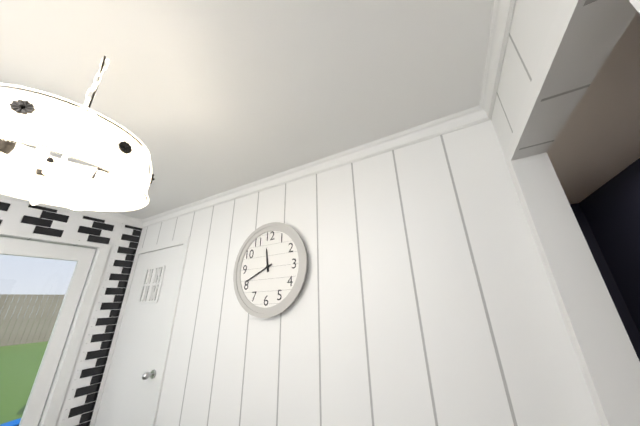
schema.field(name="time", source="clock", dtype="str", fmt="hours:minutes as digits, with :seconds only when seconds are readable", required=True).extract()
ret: 11:41
